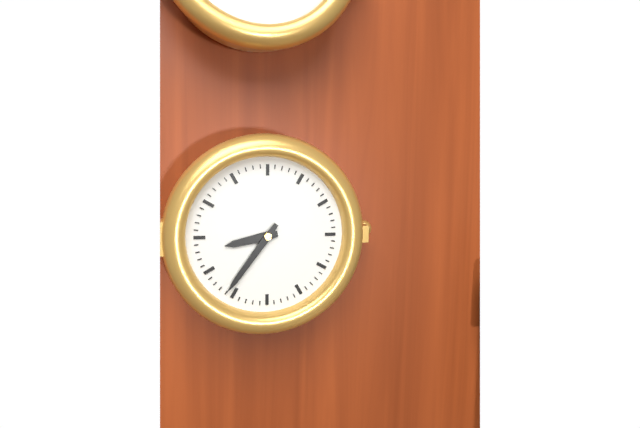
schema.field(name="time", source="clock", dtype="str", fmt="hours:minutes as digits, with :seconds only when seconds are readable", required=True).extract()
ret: 8:36
